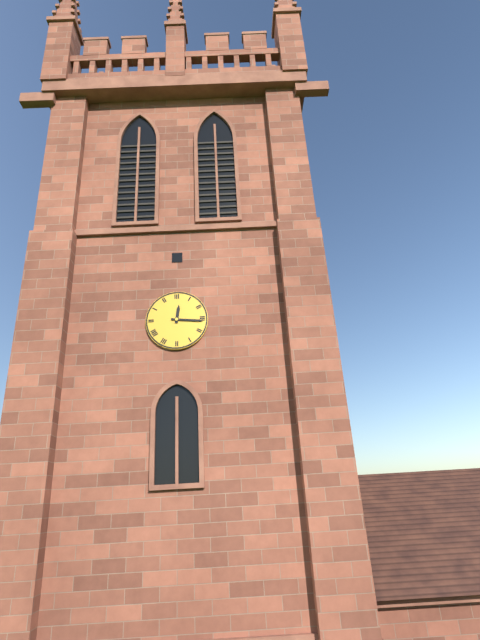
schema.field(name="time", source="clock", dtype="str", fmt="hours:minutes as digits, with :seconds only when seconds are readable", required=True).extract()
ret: 12:16
